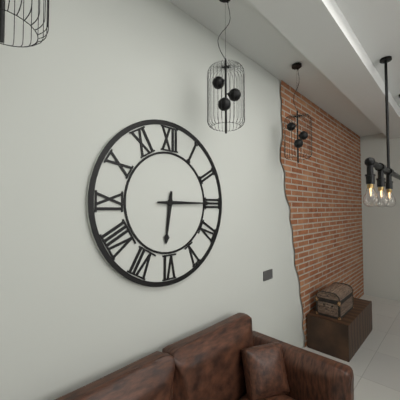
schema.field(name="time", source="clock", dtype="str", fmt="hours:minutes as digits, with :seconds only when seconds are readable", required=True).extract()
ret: 6:15
